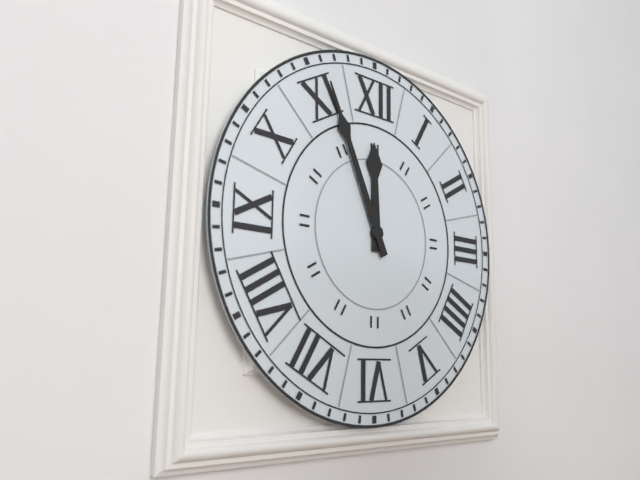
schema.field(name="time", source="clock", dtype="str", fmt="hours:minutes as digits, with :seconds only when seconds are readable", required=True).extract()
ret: 11:56
